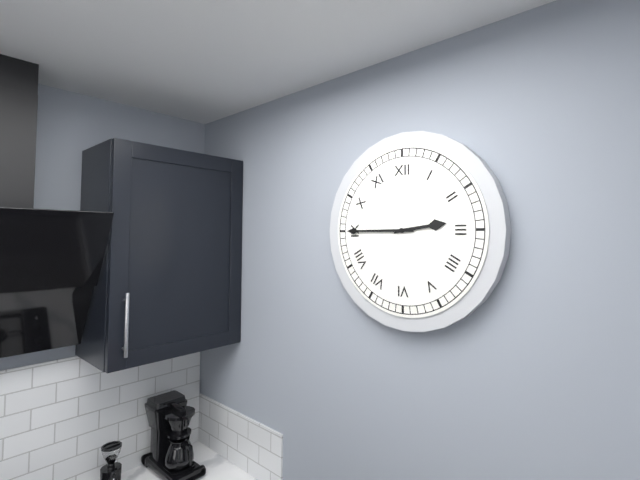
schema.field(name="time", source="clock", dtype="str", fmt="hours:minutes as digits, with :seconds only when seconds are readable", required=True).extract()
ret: 2:45
